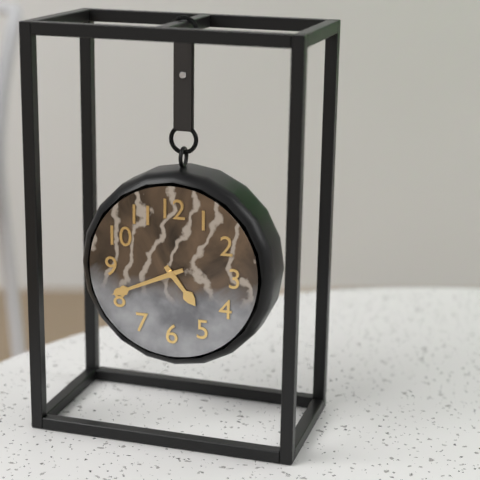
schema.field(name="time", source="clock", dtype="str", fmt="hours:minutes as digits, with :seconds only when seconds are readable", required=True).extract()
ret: 4:41
